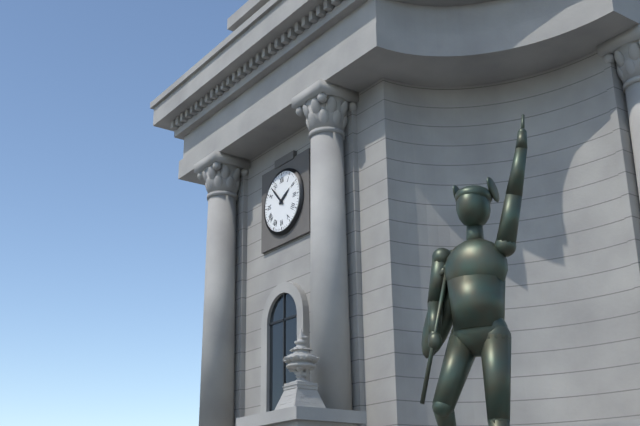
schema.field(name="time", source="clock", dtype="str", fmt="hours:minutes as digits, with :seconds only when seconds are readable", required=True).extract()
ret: 1:53
